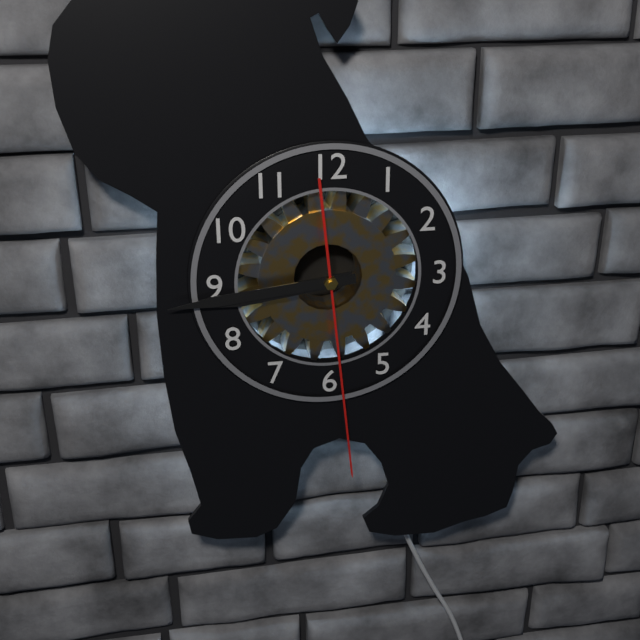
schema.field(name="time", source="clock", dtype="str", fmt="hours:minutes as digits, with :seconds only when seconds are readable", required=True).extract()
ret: 8:44:29
